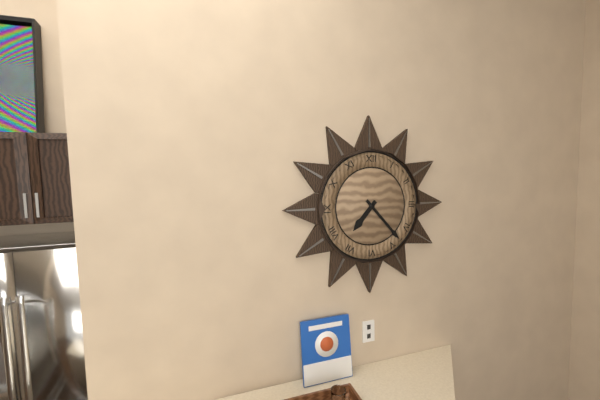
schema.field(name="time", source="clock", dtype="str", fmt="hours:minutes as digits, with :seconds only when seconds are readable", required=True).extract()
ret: 7:23
